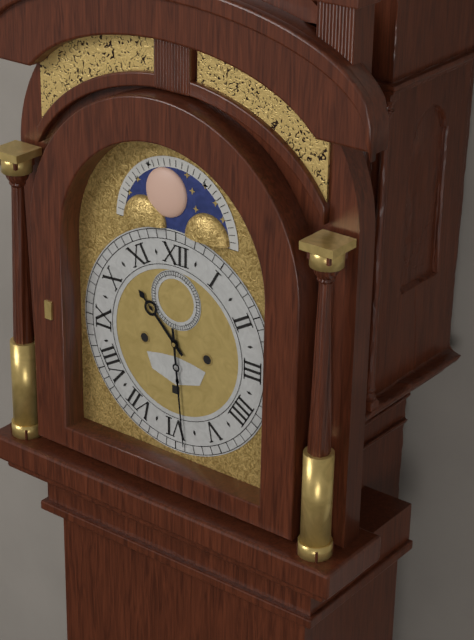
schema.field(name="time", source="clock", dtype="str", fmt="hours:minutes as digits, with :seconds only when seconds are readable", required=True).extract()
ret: 10:29
